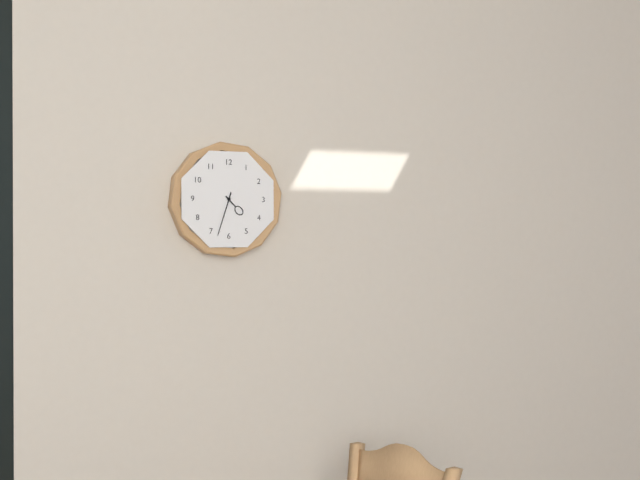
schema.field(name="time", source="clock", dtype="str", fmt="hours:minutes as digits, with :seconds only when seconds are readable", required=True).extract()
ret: 4:33
